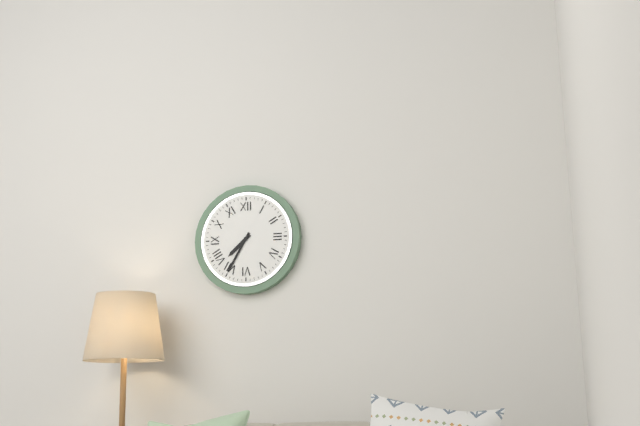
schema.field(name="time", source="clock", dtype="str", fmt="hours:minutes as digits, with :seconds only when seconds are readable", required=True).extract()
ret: 7:35
